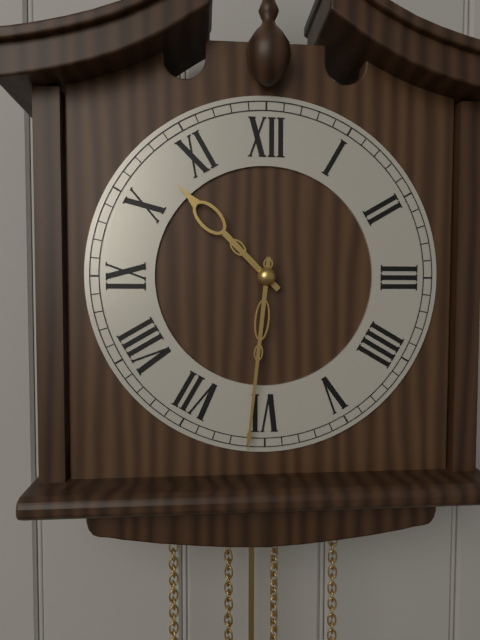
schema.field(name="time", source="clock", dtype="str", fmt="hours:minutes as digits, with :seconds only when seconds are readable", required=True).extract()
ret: 10:31
